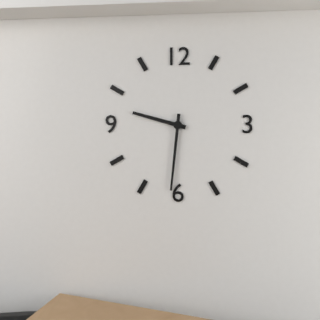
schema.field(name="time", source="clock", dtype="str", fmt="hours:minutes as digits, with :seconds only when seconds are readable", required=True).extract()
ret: 9:31
